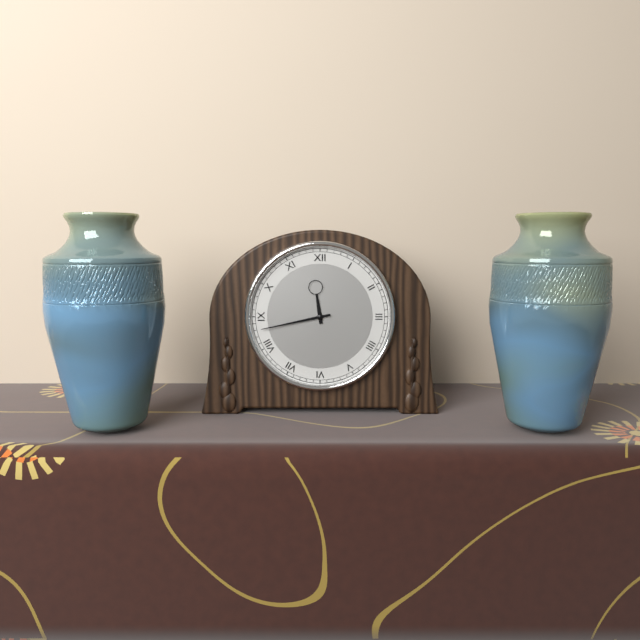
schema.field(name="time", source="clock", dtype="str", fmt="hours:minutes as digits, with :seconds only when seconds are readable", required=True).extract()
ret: 11:43
